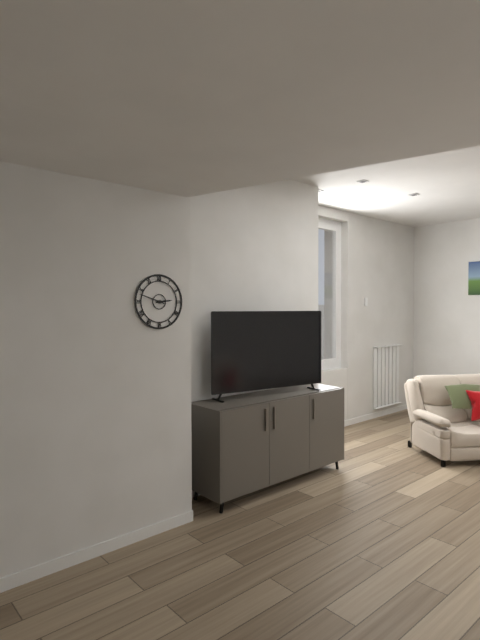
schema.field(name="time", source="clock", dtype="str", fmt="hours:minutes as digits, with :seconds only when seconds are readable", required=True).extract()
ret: 2:48
